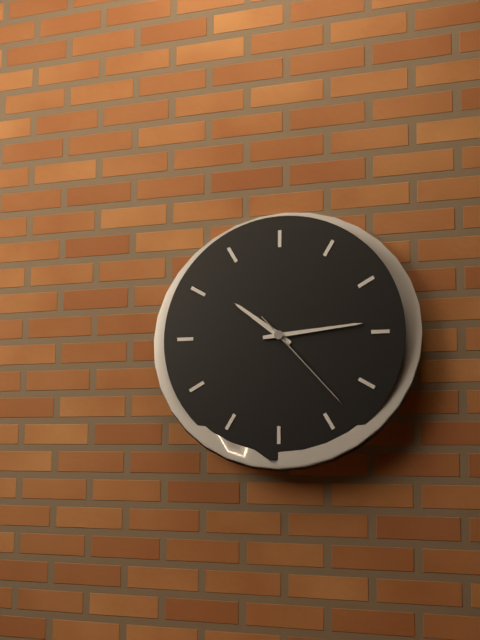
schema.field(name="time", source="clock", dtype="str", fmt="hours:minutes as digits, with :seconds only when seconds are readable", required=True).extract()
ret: 10:14:23
